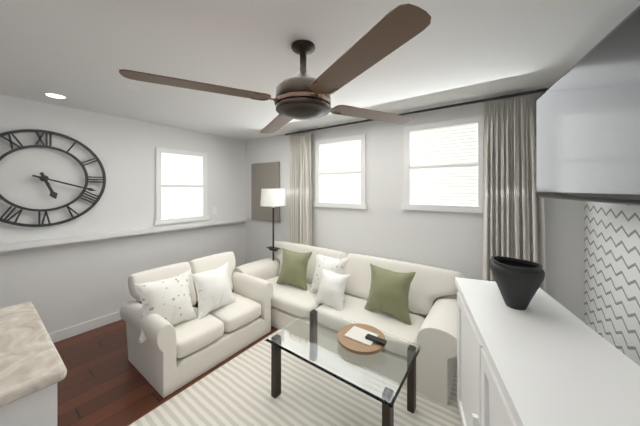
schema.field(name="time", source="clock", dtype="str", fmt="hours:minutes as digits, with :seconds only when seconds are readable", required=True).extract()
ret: 5:18
